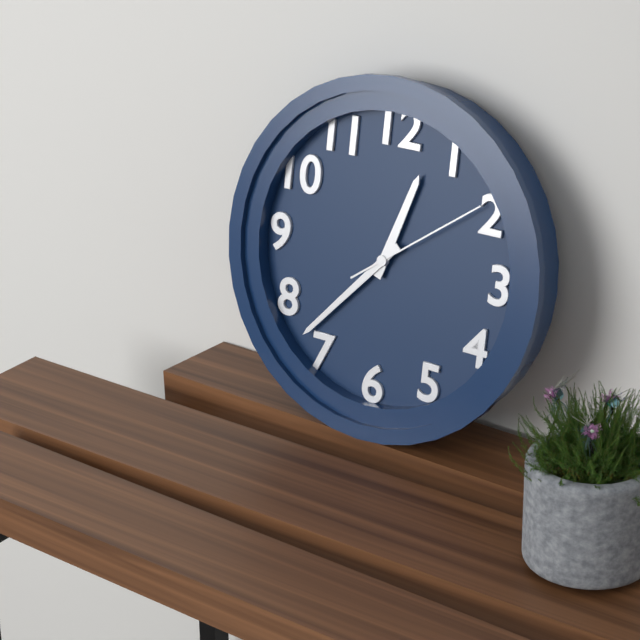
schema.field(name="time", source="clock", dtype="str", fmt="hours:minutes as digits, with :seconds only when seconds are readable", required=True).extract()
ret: 12:37:09
